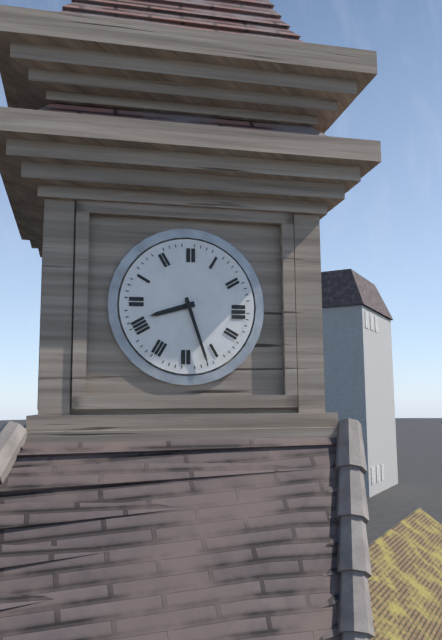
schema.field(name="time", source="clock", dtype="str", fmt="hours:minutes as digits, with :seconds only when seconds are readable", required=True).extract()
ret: 8:27
